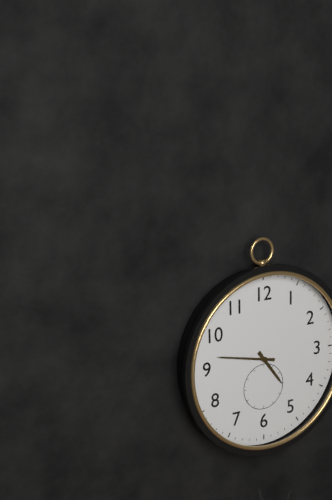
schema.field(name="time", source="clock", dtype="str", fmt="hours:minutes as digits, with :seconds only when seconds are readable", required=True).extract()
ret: 4:47
